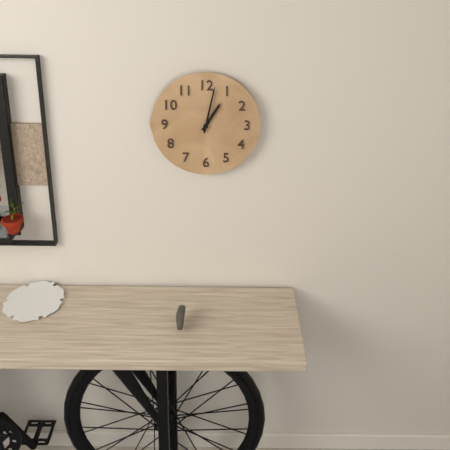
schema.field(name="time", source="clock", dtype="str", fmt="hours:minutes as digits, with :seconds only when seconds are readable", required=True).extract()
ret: 1:02
